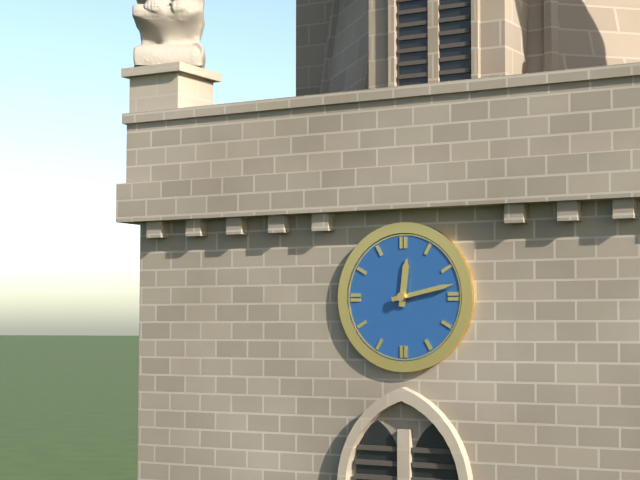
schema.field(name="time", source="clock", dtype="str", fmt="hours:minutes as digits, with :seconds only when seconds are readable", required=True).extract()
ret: 12:13
